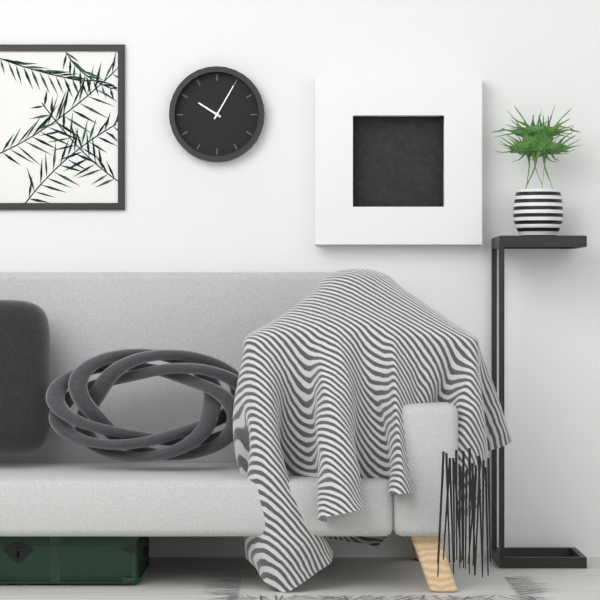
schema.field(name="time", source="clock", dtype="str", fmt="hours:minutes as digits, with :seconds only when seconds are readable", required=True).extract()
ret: 10:05
